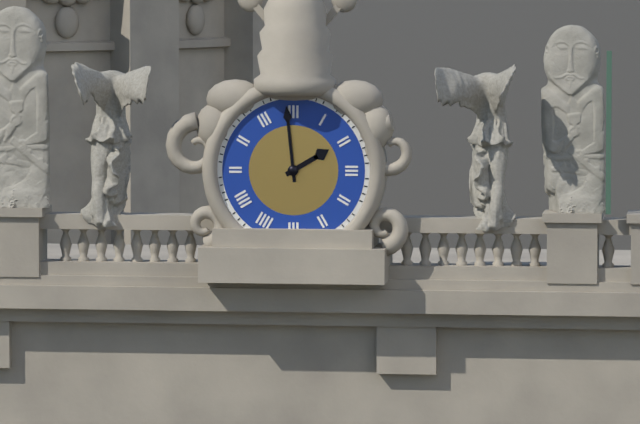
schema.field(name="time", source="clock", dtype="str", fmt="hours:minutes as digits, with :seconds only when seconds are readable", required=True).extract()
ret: 1:59
